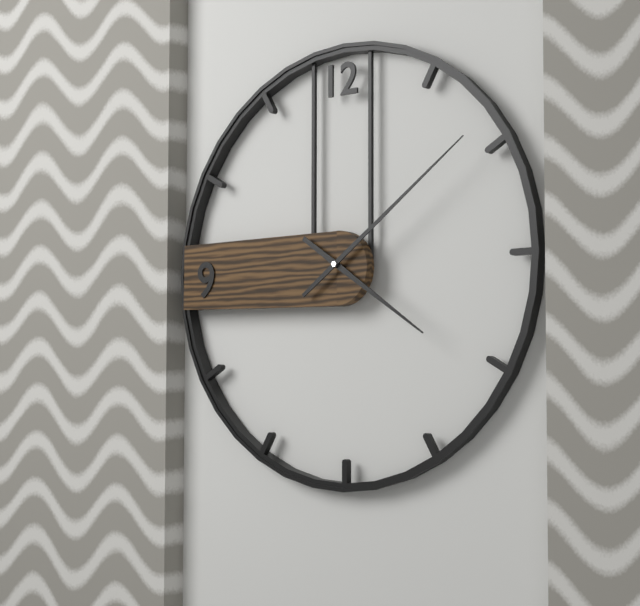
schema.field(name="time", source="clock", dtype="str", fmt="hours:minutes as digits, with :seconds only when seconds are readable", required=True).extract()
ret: 4:09
